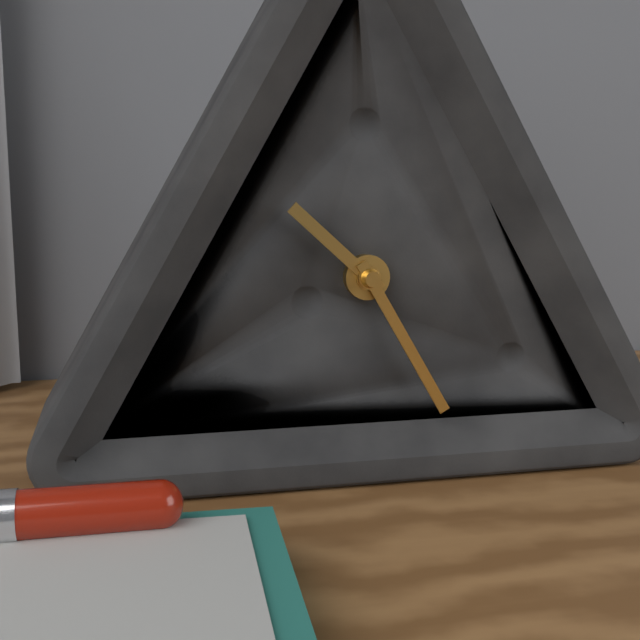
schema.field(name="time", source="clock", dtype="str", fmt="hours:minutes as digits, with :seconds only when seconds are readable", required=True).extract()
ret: 10:25
